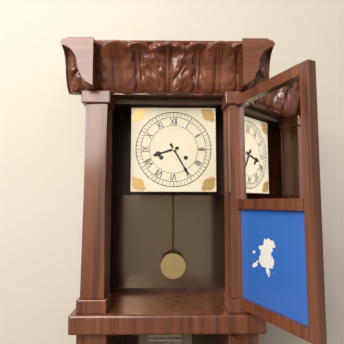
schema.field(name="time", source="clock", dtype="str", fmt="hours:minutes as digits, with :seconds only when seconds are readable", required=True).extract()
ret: 8:25
